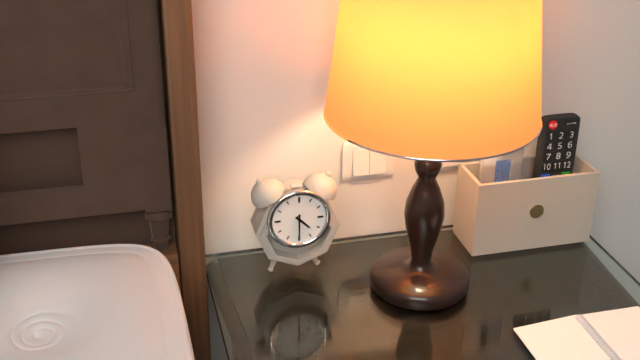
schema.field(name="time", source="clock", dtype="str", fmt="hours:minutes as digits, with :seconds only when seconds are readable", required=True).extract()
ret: 4:30
